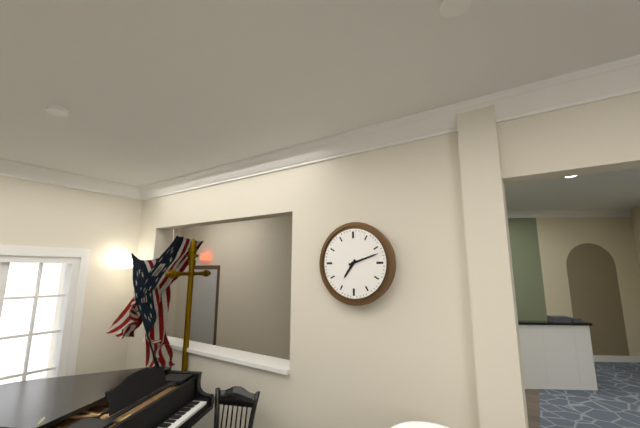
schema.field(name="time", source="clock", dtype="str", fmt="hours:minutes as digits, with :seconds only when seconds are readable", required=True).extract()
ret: 7:12
